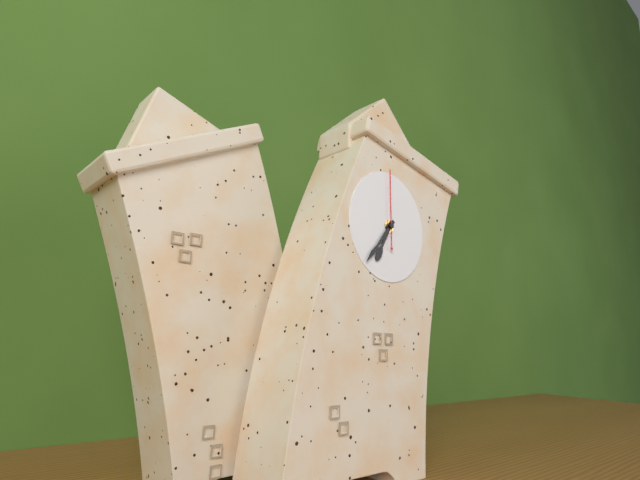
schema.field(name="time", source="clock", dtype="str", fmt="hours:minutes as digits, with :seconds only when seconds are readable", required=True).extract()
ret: 6:35:58
